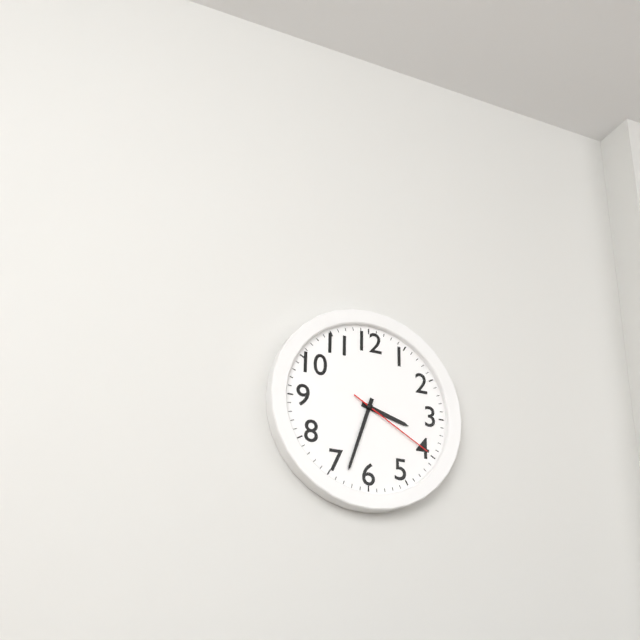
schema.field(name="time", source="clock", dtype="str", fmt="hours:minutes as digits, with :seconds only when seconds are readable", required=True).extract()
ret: 3:33:20
